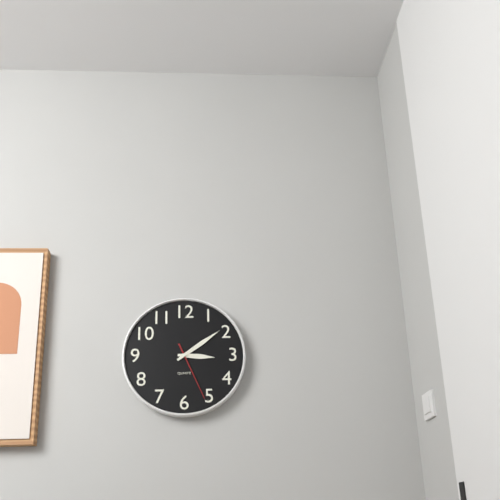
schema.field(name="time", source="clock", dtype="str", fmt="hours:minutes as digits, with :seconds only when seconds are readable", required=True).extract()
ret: 3:09:26
